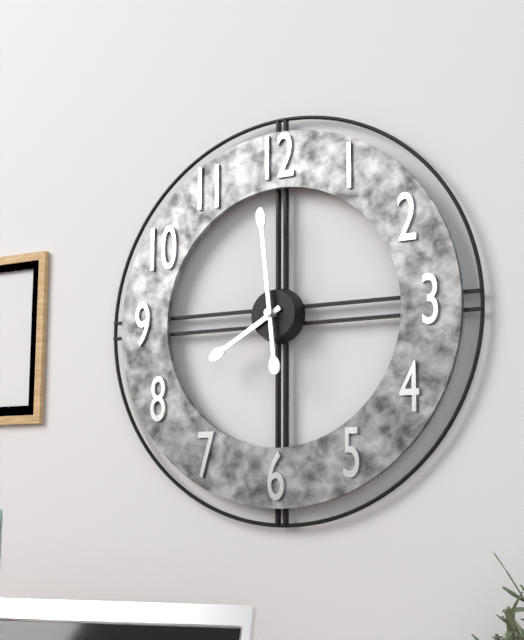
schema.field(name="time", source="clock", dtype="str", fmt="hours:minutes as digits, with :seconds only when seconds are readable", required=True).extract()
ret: 7:59
